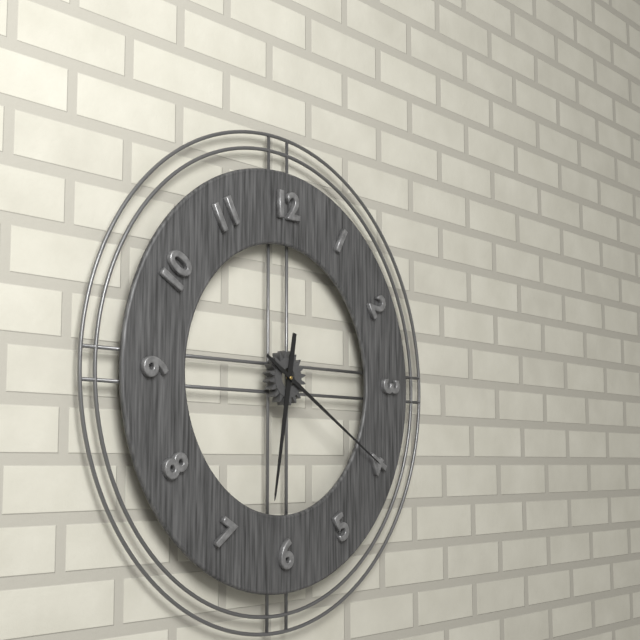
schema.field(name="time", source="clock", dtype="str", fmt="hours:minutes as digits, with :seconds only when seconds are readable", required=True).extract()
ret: 6:20
